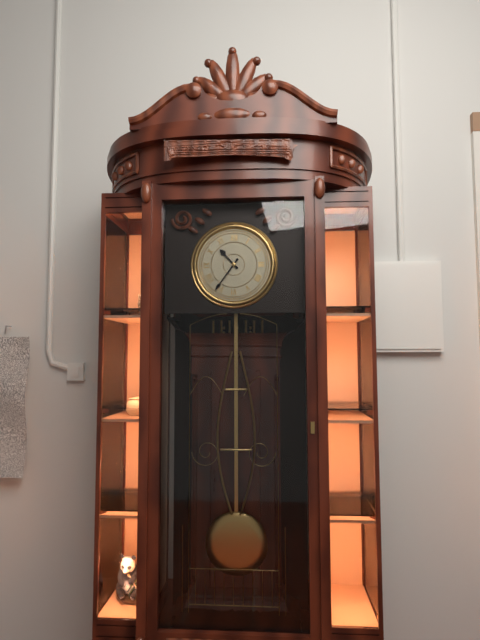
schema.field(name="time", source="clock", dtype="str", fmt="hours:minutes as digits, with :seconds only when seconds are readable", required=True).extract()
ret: 10:36
